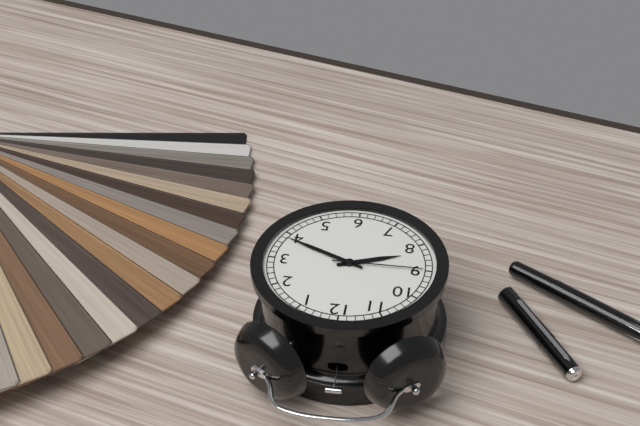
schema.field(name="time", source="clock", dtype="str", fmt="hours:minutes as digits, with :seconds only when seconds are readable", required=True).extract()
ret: 8:19:45
